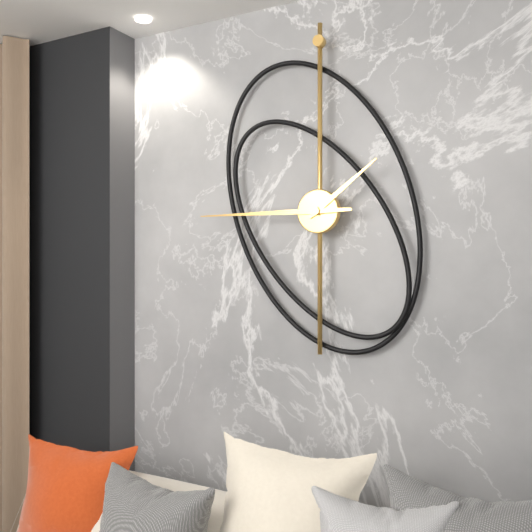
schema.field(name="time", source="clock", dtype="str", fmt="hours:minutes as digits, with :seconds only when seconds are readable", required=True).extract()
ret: 1:45
